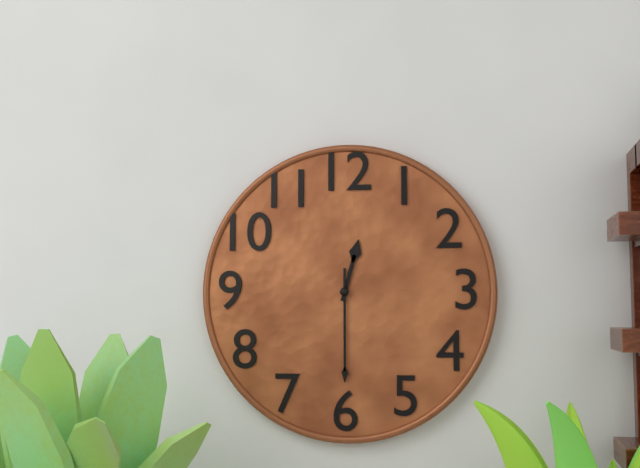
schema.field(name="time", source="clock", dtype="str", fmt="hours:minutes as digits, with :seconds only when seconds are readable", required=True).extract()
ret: 12:30
